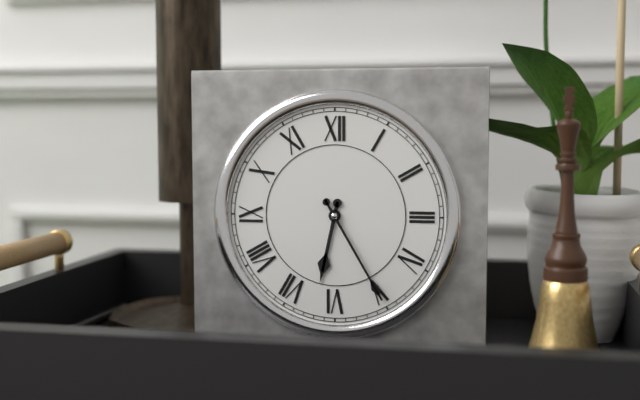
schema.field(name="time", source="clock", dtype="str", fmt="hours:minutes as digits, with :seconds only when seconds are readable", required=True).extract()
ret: 6:25
